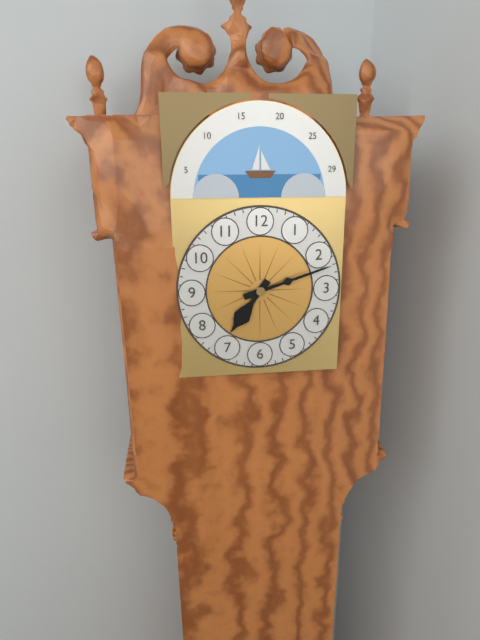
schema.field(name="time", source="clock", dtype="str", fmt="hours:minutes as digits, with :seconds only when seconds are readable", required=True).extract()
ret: 7:12
